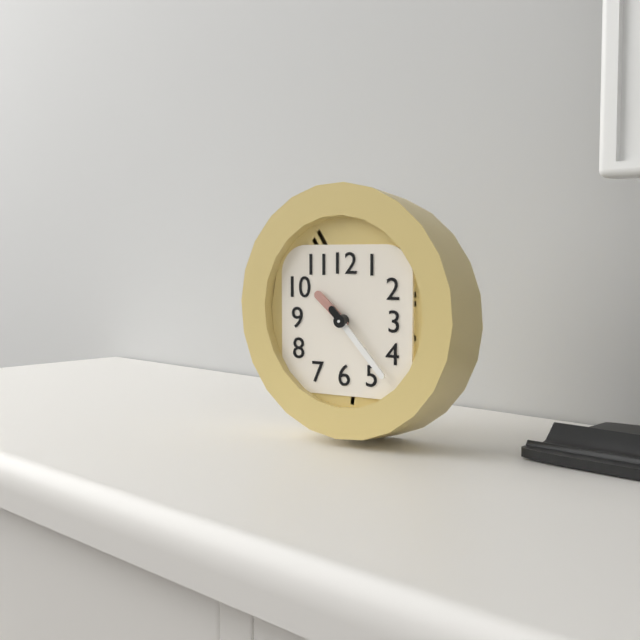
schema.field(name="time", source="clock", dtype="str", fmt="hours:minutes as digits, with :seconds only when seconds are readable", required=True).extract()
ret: 10:23
